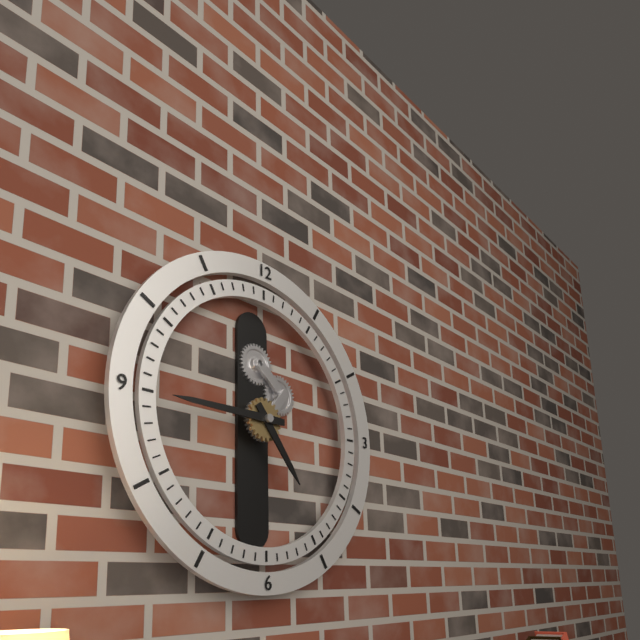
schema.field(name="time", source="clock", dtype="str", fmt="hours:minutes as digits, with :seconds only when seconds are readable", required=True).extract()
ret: 4:45
